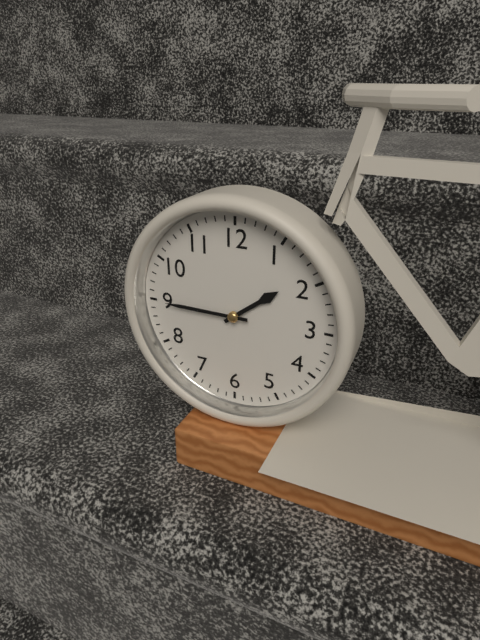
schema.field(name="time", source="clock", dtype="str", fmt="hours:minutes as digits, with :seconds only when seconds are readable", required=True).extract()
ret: 1:45
